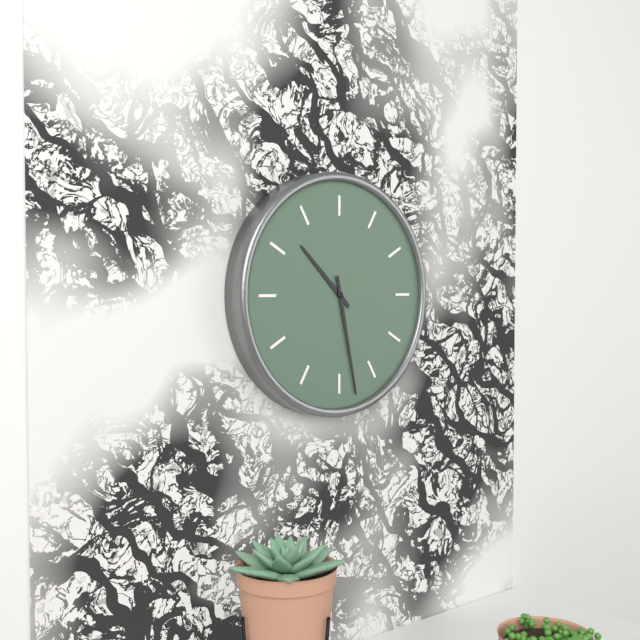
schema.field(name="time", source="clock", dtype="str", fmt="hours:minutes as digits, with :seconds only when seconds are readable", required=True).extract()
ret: 10:28
